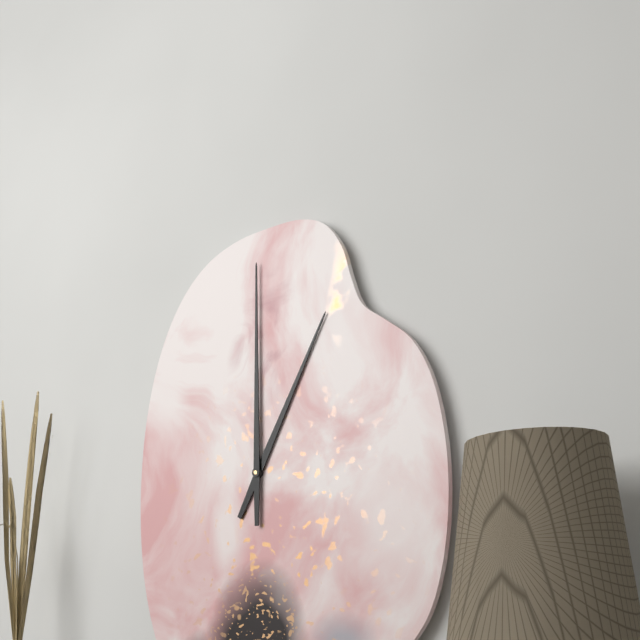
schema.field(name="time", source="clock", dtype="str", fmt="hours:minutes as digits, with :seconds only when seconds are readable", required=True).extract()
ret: 1:00
